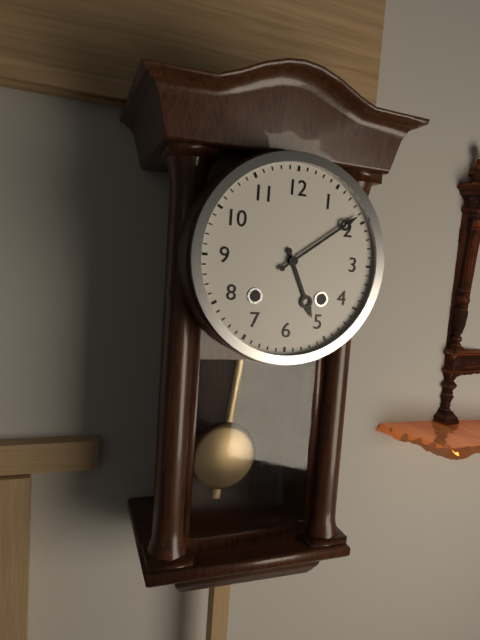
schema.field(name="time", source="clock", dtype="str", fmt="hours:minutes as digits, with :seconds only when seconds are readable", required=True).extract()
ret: 5:09
